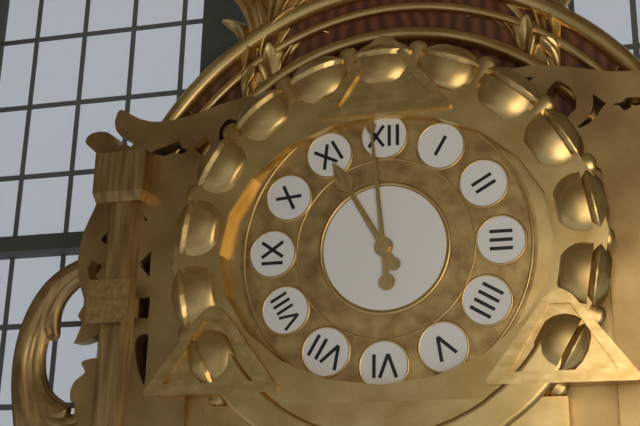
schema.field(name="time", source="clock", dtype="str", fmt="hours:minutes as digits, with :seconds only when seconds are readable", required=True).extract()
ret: 10:59
